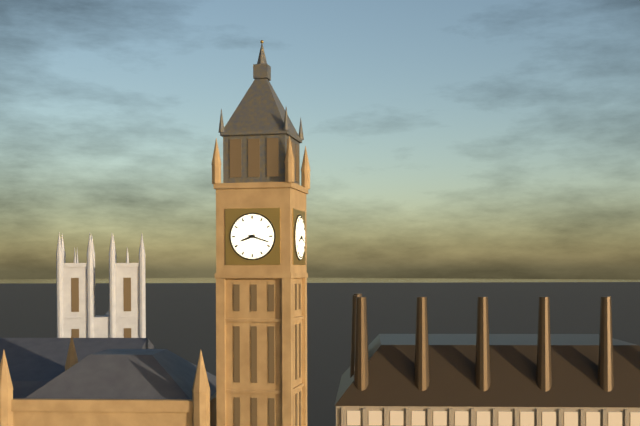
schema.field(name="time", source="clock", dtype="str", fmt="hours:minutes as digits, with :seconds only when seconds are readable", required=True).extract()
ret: 8:18
